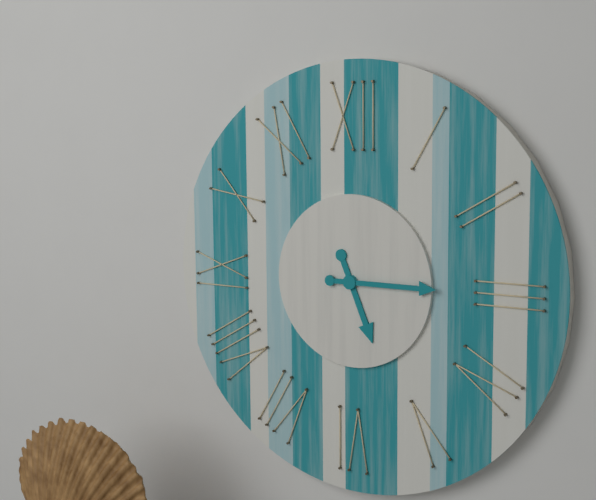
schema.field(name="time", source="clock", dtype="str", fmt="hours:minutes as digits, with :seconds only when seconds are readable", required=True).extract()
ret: 5:15
